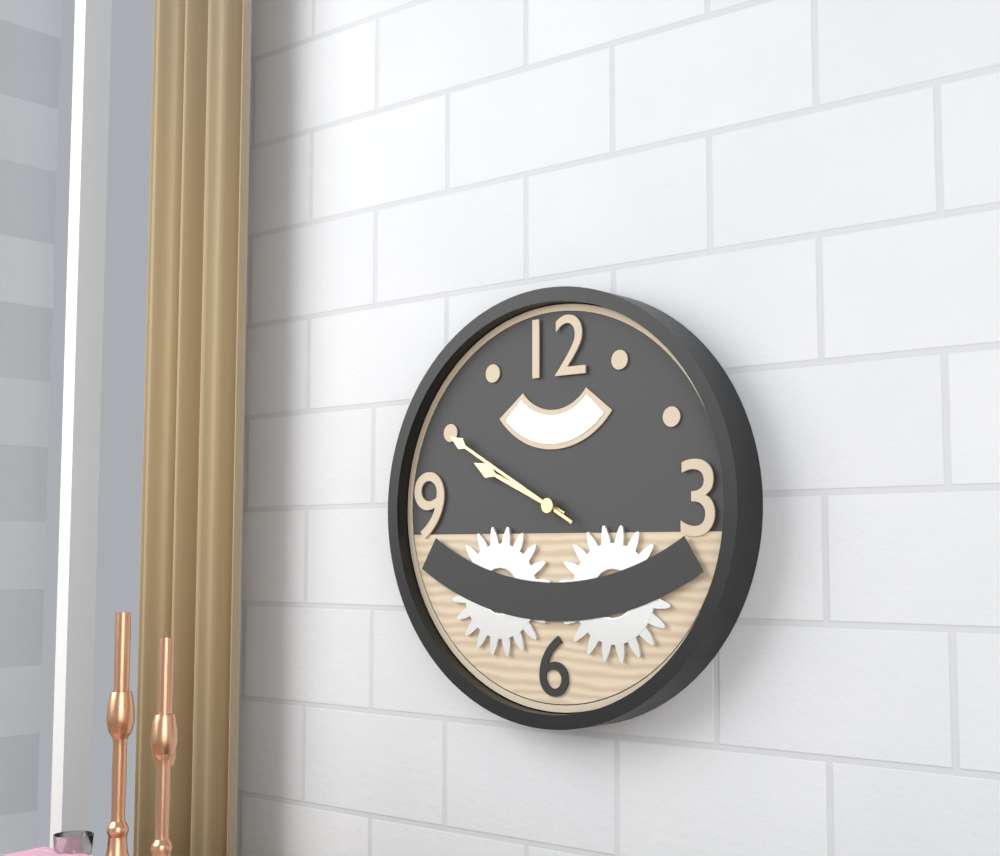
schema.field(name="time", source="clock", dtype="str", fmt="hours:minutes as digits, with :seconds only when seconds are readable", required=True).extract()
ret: 9:50
